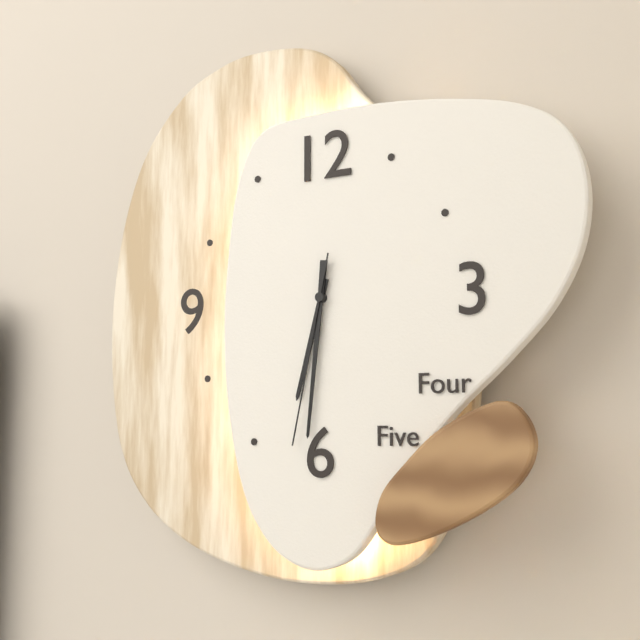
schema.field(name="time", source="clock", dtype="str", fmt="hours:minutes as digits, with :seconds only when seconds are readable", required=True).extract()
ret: 6:31:32
